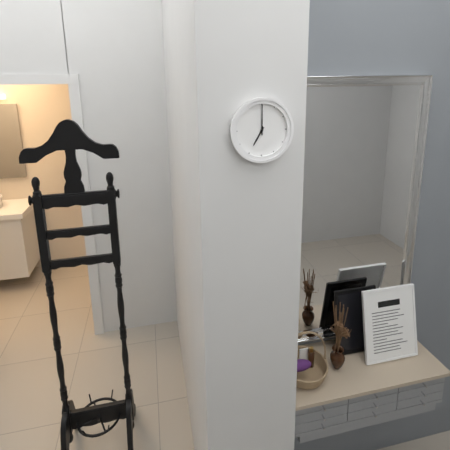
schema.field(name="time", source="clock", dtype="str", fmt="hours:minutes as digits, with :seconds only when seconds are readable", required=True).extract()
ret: 7:00
